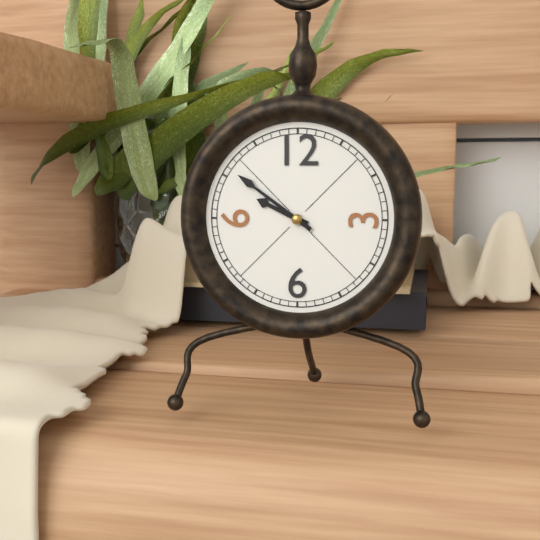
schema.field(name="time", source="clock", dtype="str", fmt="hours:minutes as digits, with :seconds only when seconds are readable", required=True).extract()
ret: 9:51
